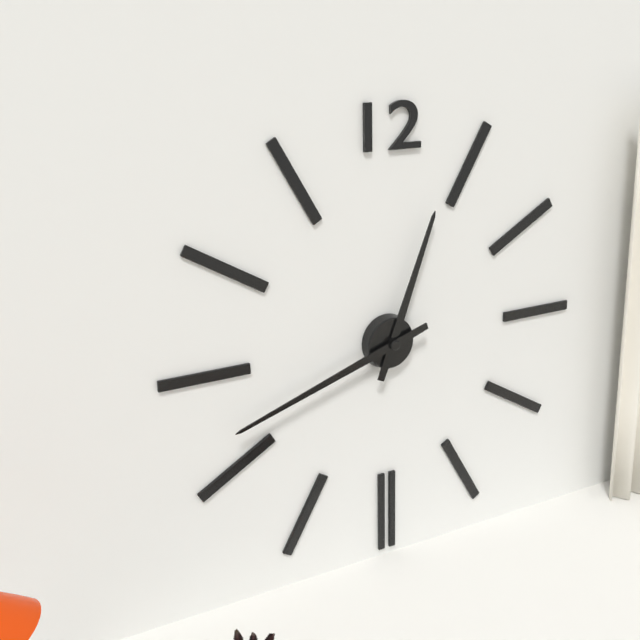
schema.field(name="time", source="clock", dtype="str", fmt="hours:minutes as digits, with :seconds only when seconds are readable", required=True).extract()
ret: 12:42
